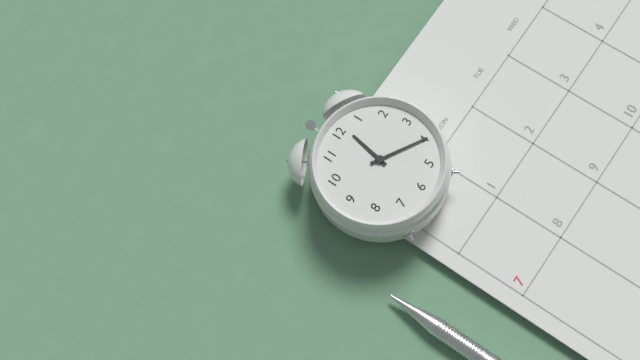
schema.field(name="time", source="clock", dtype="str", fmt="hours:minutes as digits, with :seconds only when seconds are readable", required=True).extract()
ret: 12:20
